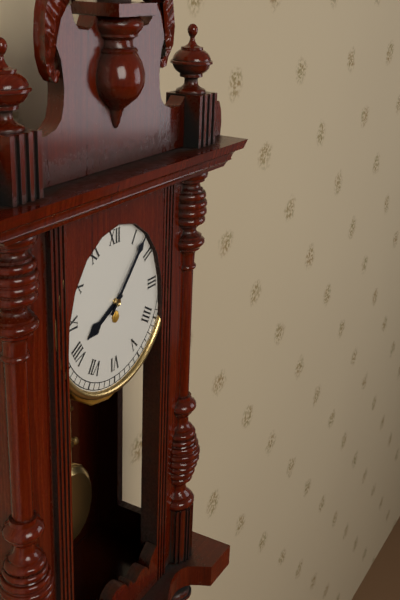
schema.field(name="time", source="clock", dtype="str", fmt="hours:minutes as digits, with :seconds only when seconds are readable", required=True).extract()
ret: 8:07
